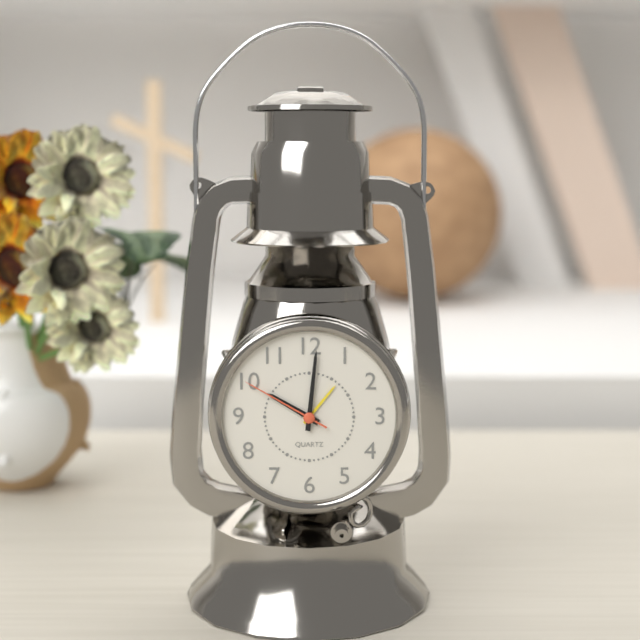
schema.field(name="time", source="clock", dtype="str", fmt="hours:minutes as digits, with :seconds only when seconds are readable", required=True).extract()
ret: 10:01:50
